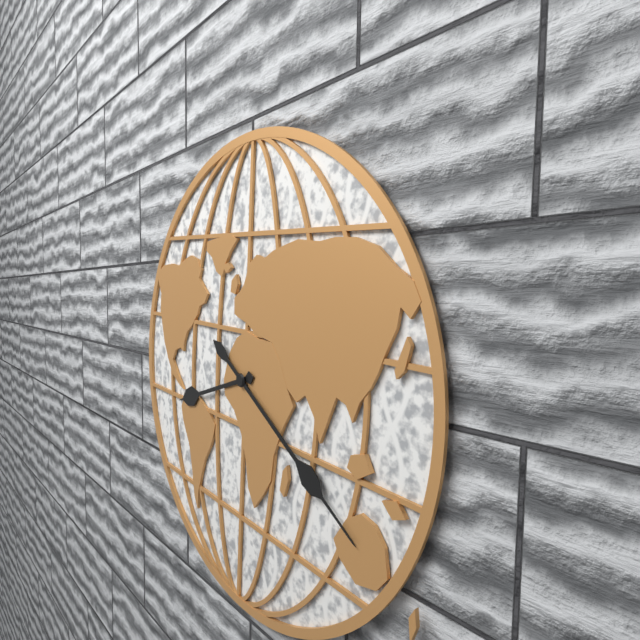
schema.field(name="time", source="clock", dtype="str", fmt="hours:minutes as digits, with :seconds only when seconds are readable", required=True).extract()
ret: 8:20
